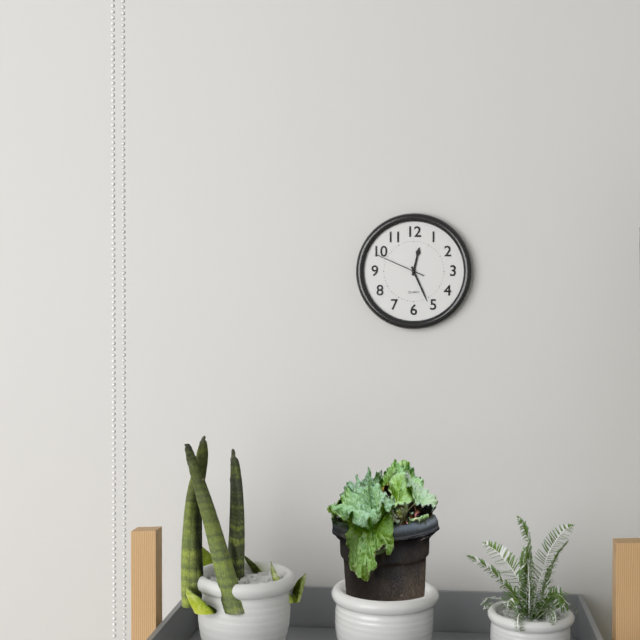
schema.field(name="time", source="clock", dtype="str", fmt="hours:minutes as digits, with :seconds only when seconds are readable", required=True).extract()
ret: 12:26:49
